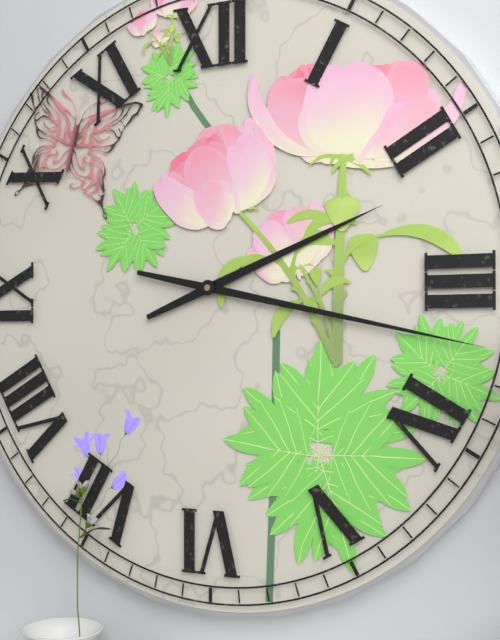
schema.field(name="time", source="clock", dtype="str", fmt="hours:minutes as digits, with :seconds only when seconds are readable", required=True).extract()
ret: 2:17
